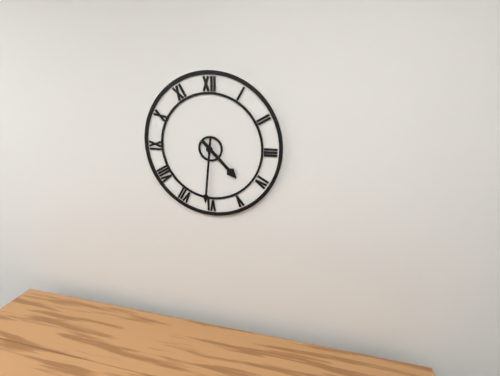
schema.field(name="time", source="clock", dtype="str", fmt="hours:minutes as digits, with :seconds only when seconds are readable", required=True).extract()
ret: 4:31
